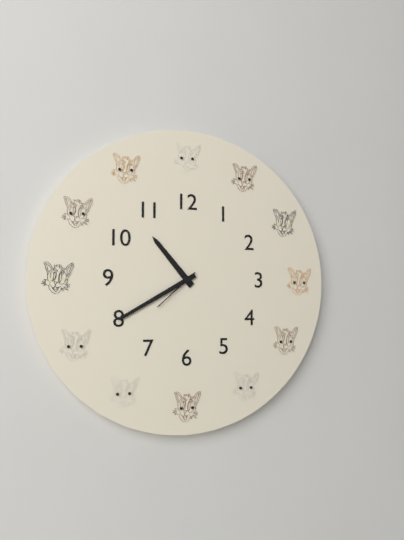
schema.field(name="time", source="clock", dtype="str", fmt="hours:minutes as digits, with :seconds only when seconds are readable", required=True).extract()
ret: 10:40:38
